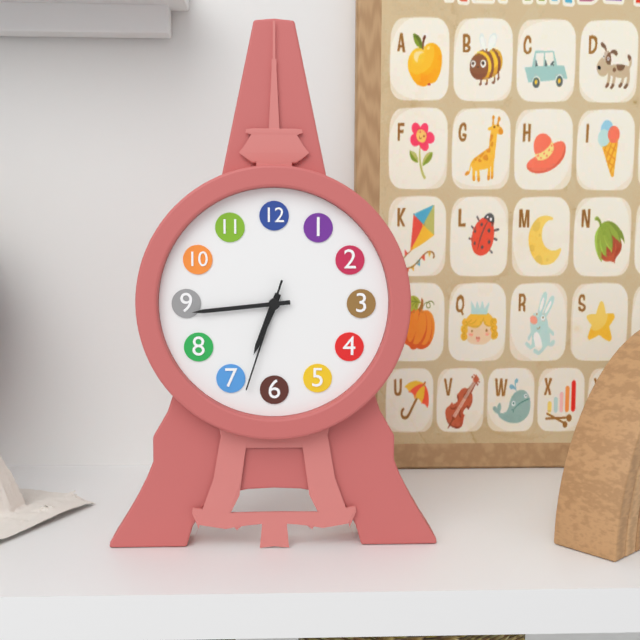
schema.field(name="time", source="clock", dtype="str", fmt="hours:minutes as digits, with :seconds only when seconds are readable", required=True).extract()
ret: 6:44:33
